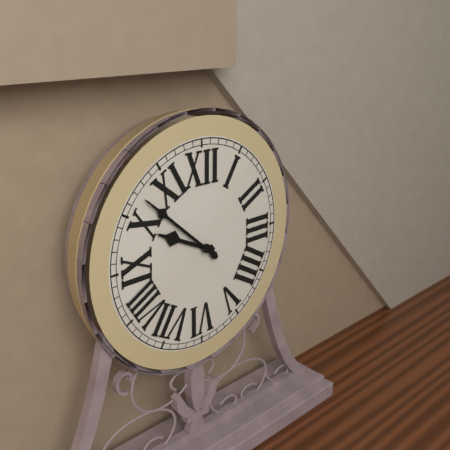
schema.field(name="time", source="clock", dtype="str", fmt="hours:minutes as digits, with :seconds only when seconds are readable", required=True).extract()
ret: 9:52
